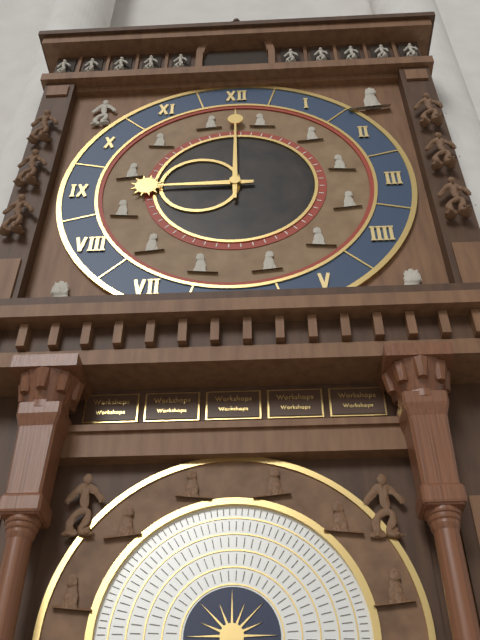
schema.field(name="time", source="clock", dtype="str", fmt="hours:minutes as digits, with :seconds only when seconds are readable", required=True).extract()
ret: 9:00
